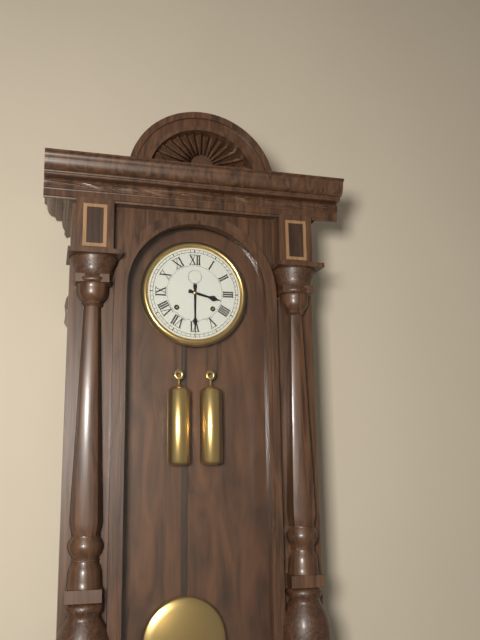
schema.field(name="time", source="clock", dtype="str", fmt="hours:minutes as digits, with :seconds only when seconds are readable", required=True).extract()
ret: 3:30
